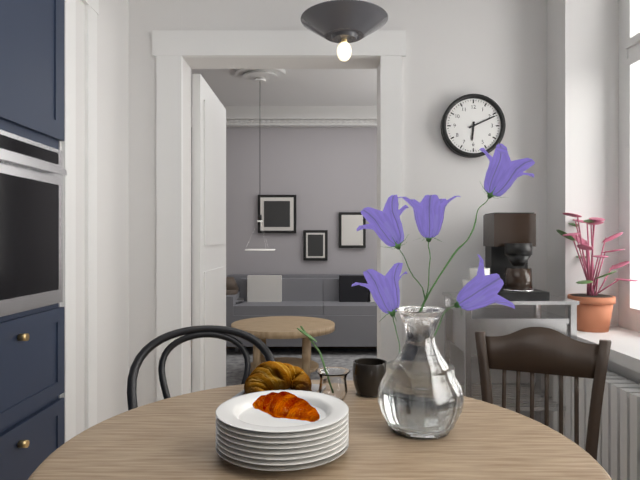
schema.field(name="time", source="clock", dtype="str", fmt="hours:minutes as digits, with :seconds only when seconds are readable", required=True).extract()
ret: 6:11
